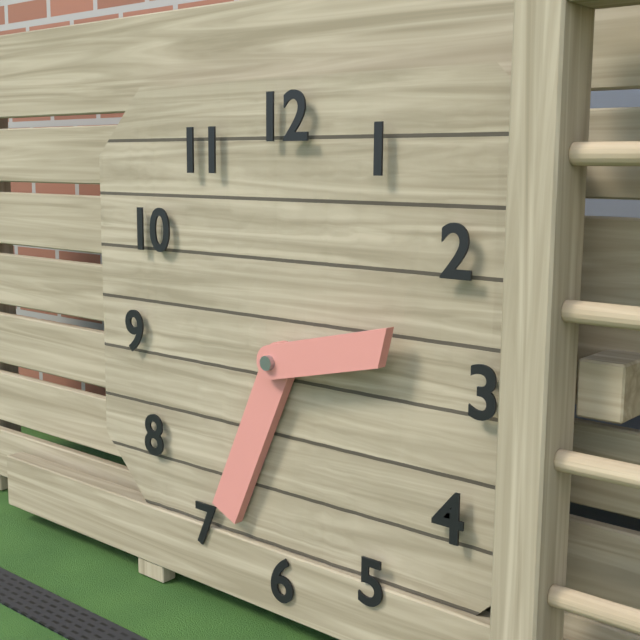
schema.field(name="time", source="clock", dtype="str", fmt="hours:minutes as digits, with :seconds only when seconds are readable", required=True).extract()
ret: 2:34
